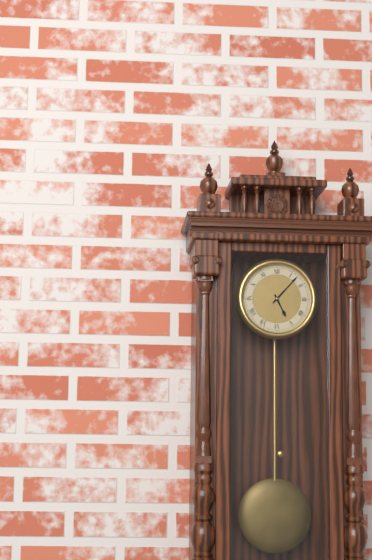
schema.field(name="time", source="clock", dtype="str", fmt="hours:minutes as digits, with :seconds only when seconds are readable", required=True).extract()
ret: 5:07
